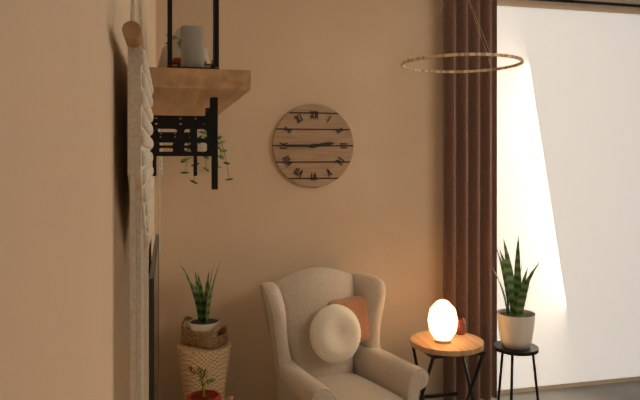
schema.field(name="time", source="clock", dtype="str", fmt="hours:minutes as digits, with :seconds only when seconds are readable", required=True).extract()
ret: 2:45
